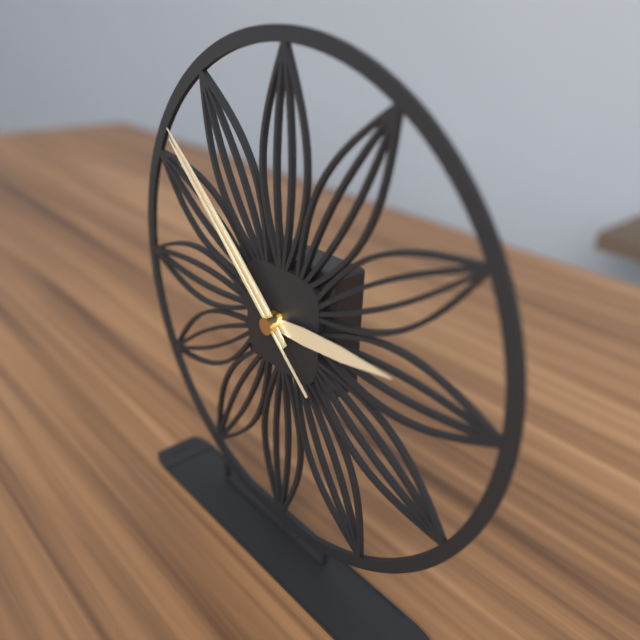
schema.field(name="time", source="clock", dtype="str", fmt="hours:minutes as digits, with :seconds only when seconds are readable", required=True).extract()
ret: 2:52:52
